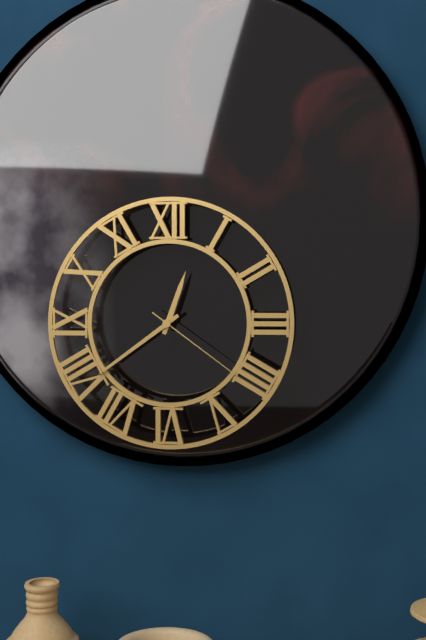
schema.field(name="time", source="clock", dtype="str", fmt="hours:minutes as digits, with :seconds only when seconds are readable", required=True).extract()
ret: 12:39:21
